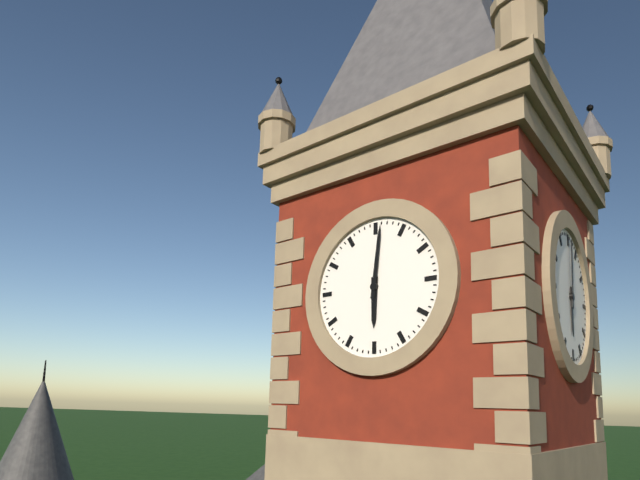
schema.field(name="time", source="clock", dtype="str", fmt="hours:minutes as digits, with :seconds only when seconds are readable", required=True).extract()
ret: 6:01
